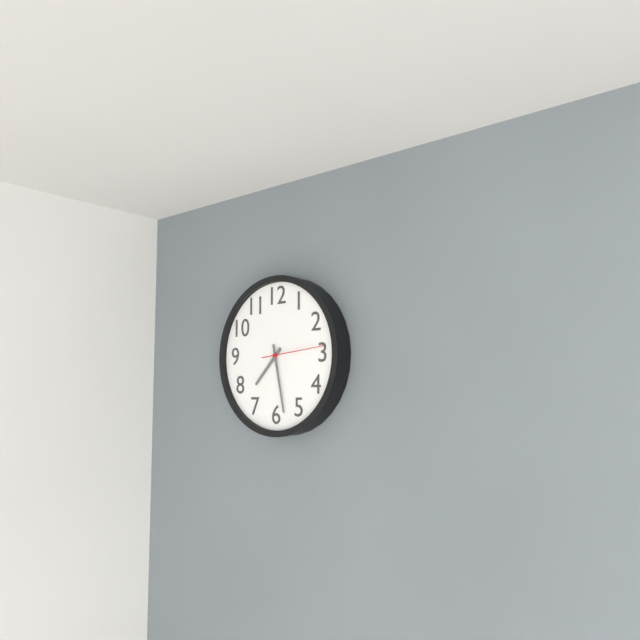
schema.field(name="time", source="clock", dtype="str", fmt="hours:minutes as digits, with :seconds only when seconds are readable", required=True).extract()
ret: 7:28:14
